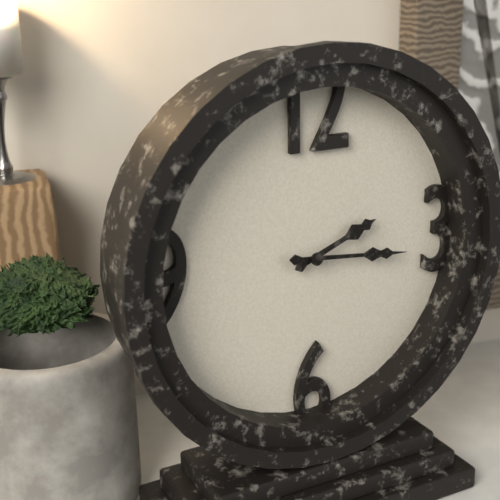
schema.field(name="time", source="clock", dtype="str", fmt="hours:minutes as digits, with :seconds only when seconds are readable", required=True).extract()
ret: 2:16
